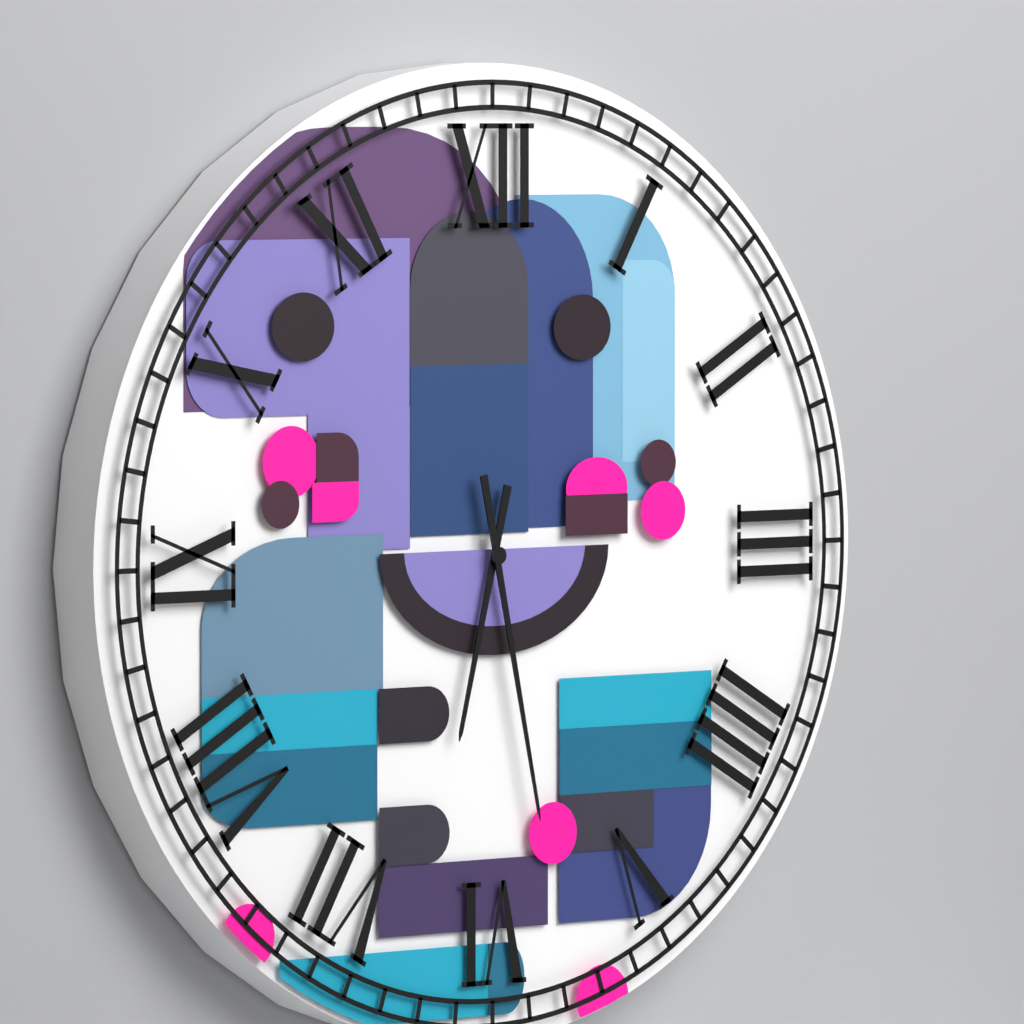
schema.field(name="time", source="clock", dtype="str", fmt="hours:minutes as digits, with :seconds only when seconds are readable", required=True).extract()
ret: 6:28
